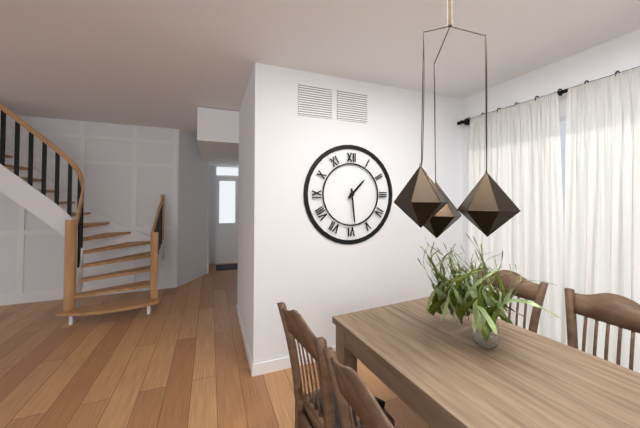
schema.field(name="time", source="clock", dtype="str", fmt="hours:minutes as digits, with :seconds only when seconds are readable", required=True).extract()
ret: 1:29
